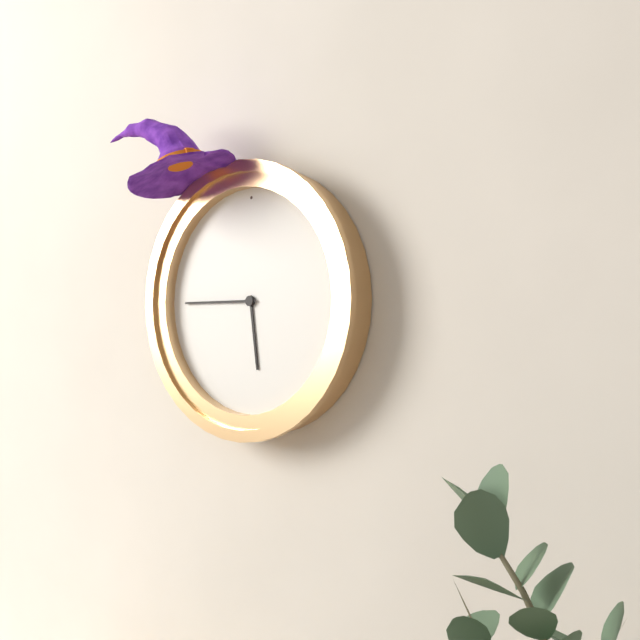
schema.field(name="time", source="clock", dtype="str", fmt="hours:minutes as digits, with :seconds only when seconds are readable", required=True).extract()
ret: 5:45
